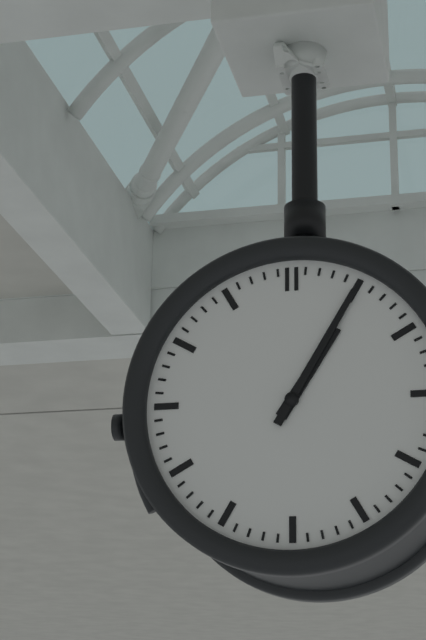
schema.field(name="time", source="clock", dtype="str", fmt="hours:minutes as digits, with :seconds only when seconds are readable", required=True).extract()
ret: 1:05
